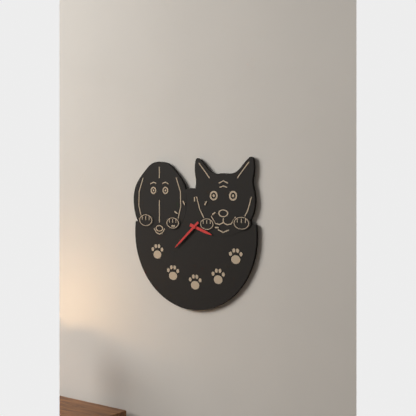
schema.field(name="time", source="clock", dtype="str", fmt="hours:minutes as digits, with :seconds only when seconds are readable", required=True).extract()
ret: 3:38
